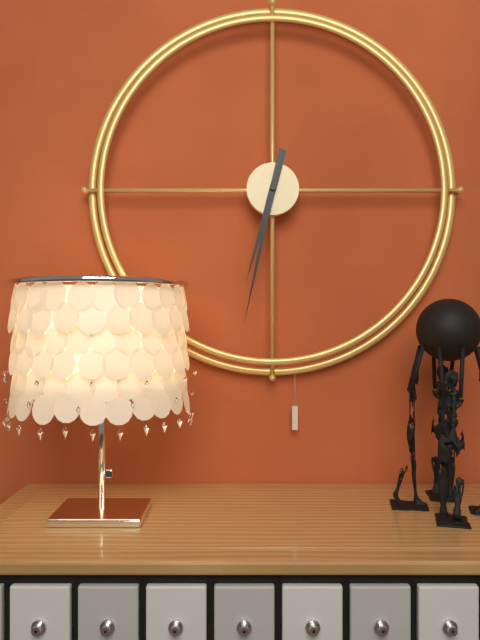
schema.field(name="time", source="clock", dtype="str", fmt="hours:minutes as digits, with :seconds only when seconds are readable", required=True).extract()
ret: 6:32
